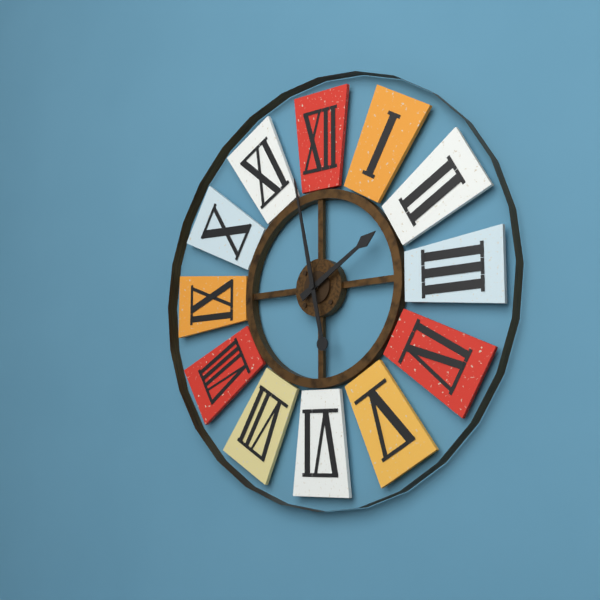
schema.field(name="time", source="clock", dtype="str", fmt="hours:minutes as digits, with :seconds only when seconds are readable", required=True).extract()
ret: 1:58
